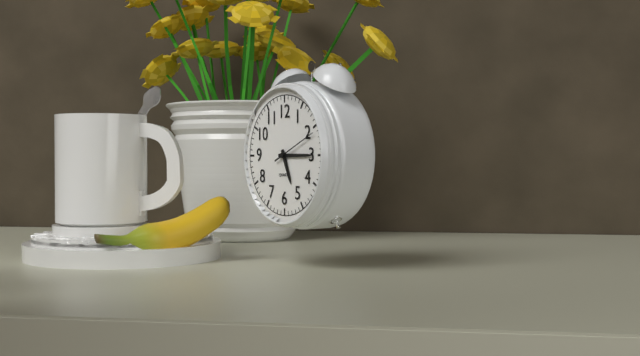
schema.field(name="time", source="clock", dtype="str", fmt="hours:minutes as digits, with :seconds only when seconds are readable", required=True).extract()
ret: 5:15
